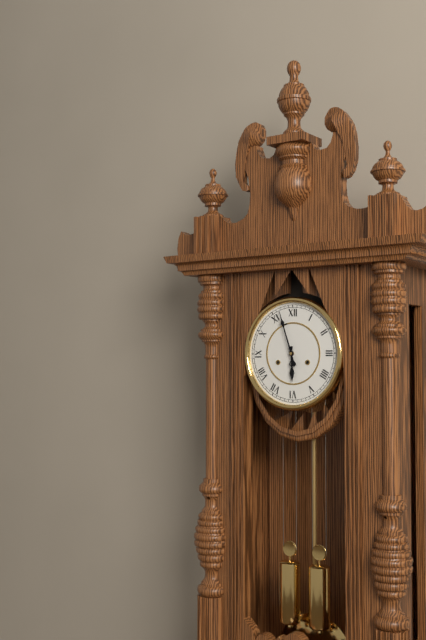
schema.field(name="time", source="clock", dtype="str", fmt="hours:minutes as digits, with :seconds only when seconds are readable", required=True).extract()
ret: 5:57
